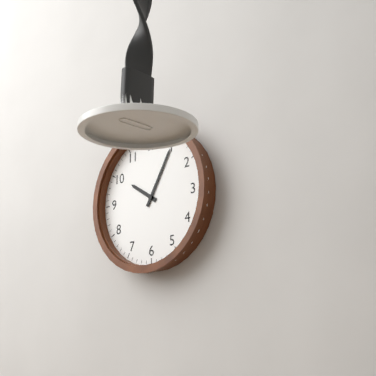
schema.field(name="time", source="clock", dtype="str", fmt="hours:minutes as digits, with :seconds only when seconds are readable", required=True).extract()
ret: 10:05
